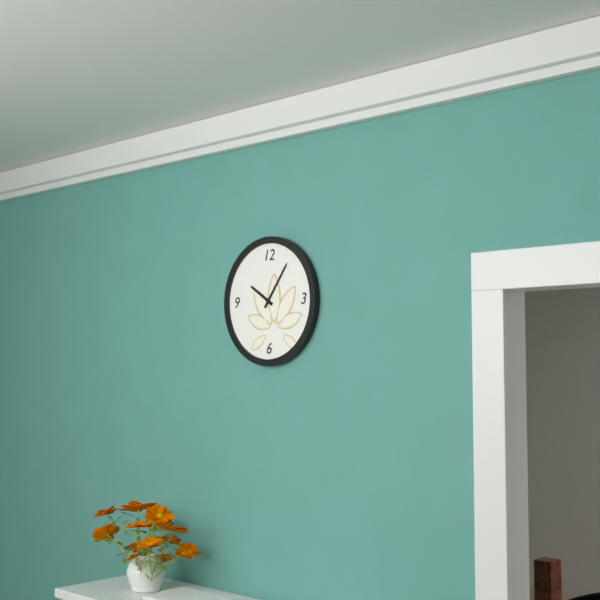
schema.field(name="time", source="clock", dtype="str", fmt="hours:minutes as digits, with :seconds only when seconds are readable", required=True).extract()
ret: 10:06
